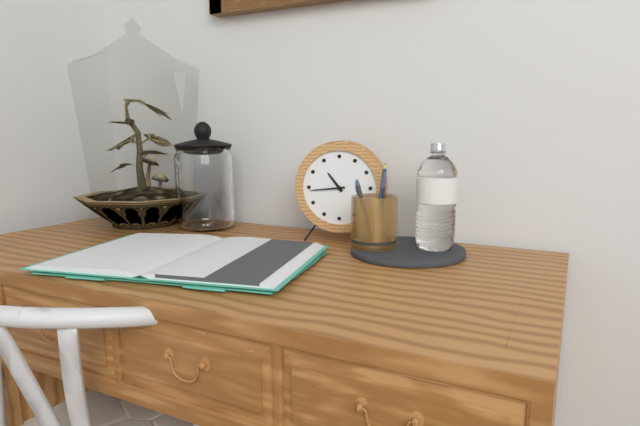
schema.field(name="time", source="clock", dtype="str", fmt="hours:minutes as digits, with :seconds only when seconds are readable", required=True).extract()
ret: 10:44
